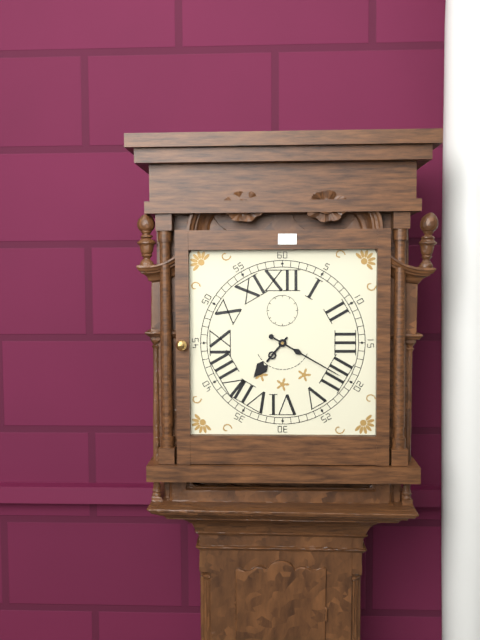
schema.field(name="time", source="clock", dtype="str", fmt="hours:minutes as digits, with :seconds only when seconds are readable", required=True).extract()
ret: 7:20
